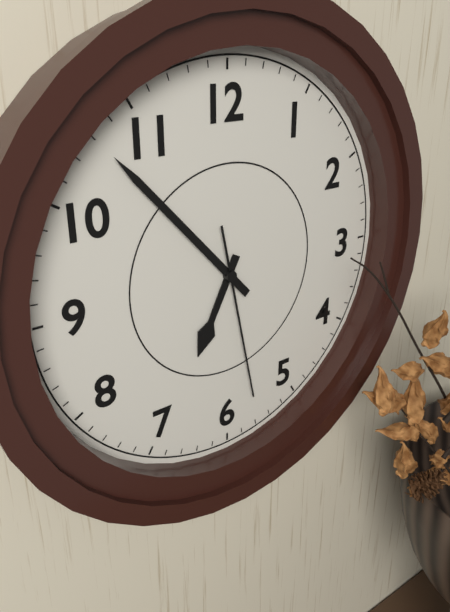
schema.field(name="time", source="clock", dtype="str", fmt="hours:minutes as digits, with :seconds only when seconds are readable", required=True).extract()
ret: 6:53:28
